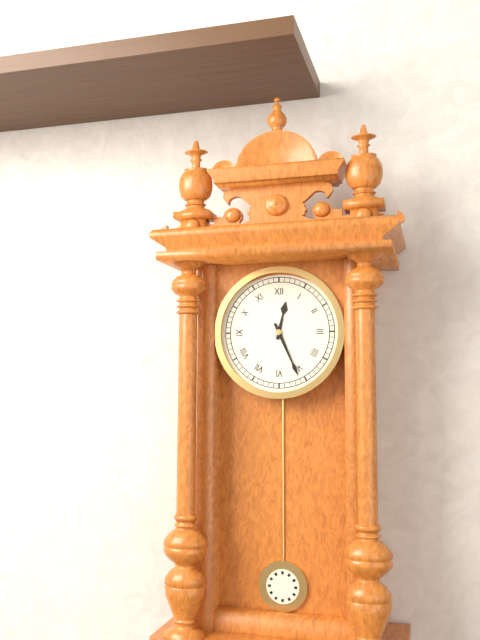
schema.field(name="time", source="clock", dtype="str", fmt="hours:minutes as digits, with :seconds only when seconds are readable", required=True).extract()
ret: 12:26
